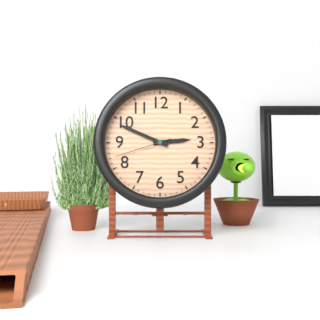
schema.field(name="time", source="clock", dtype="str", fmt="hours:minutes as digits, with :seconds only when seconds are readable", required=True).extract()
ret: 2:49:42
